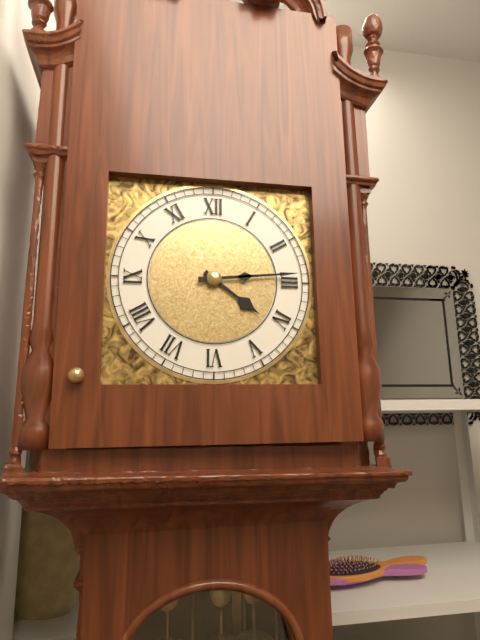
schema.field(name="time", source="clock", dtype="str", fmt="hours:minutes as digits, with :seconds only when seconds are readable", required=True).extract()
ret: 4:14
